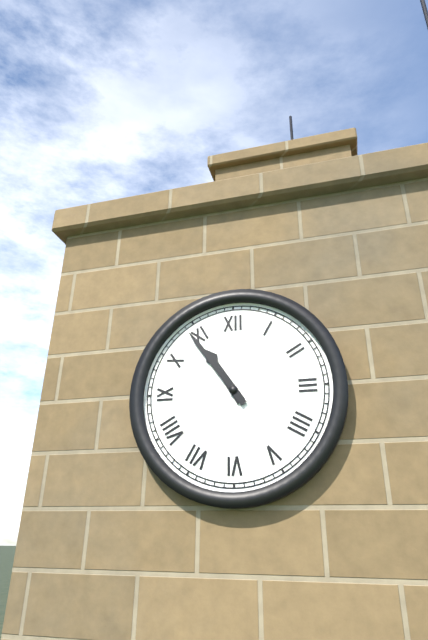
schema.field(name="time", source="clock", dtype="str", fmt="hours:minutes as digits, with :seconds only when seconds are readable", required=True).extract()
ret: 10:54
